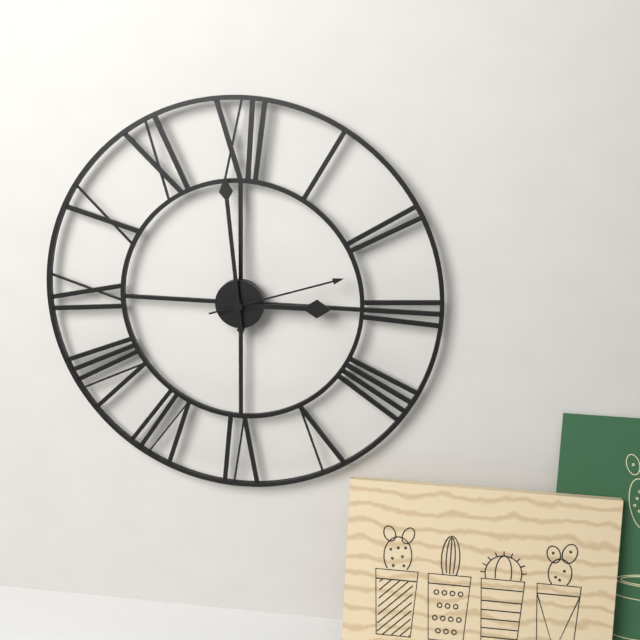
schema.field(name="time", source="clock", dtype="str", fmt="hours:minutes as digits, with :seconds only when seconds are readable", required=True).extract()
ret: 2:59:12
